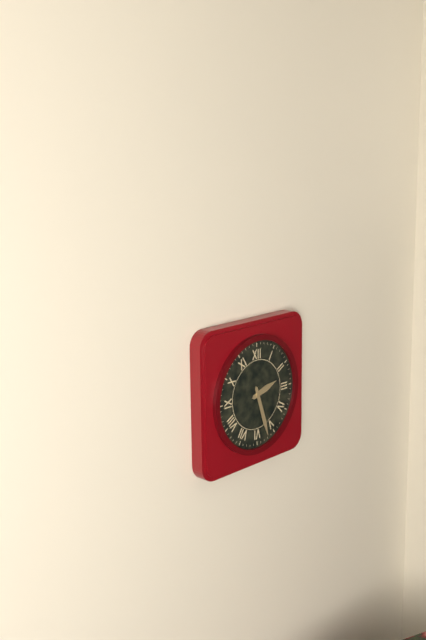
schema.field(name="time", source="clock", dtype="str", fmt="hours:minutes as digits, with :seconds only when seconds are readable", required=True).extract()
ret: 2:27
